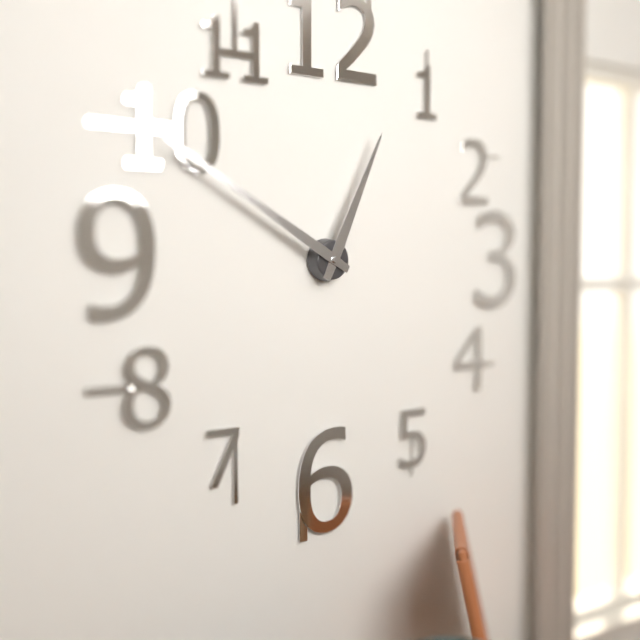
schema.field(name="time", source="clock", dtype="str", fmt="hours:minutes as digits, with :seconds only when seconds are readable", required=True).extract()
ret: 12:50
